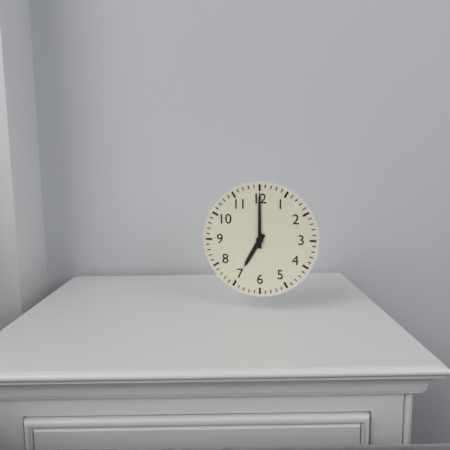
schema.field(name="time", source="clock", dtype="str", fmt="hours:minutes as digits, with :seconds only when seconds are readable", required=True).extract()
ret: 7:00
